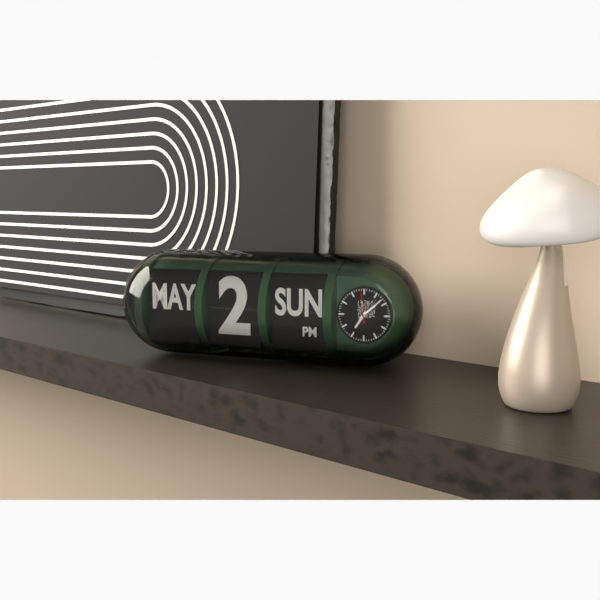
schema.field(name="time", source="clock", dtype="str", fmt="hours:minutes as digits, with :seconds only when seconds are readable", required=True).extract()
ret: 7:08
